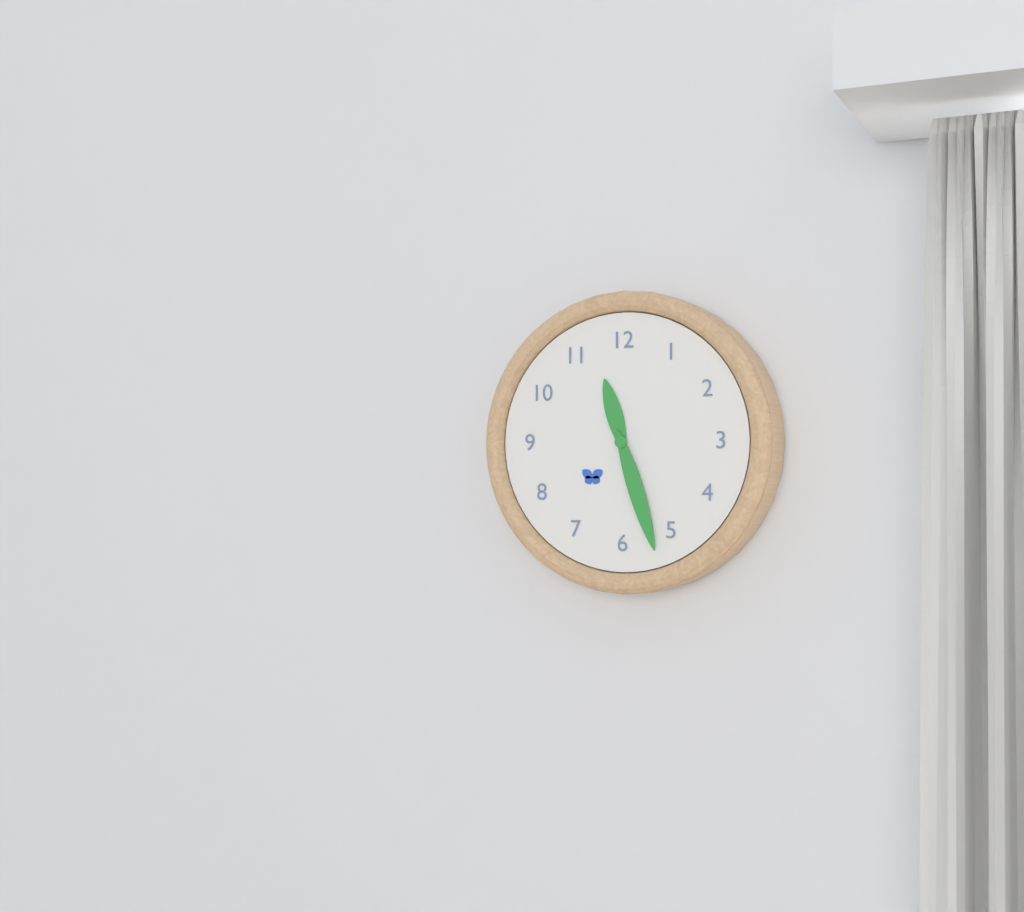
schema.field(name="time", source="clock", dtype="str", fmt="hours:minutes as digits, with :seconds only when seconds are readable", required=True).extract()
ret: 11:27
